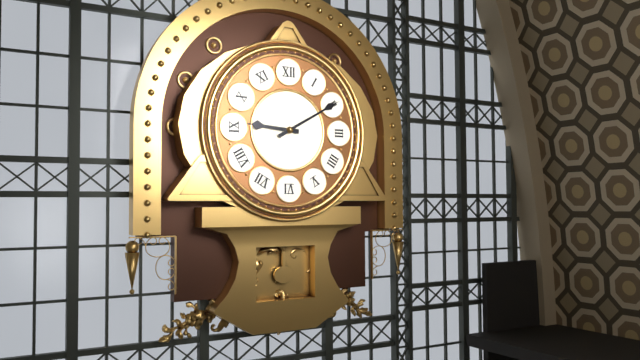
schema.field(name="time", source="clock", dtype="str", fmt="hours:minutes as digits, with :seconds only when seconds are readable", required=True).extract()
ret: 9:10
